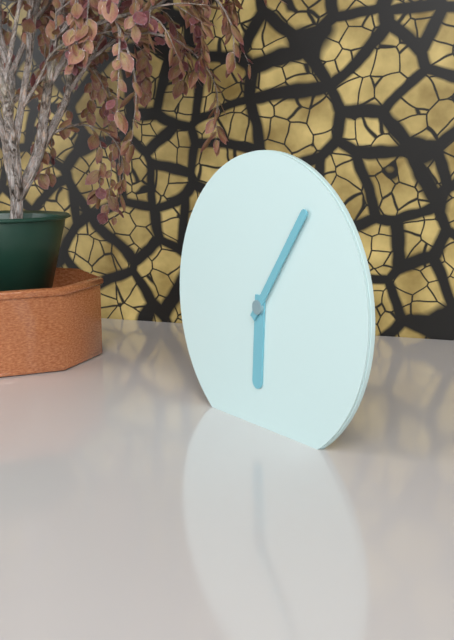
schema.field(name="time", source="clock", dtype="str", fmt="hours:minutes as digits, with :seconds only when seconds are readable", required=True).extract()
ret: 6:06
